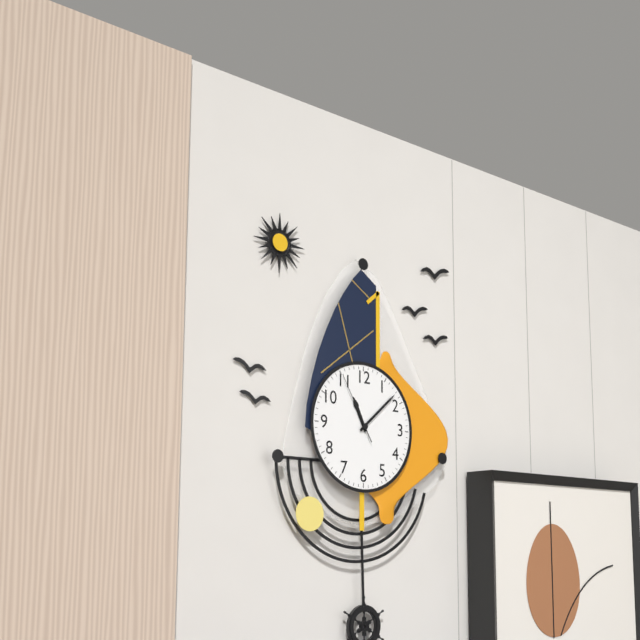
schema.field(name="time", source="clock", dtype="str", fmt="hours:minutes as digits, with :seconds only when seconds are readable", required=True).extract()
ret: 11:08:55
